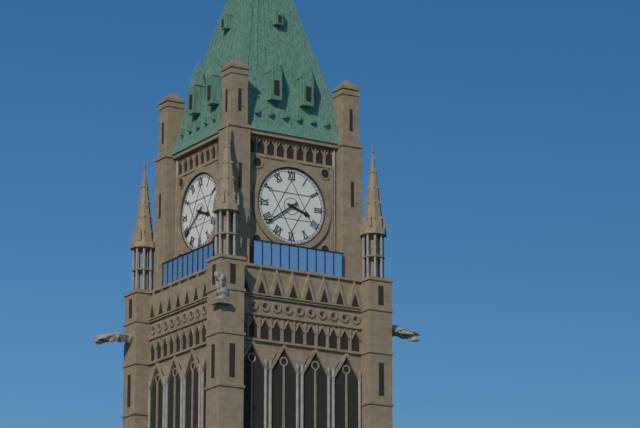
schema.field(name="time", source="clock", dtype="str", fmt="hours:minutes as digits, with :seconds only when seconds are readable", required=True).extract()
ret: 3:39
